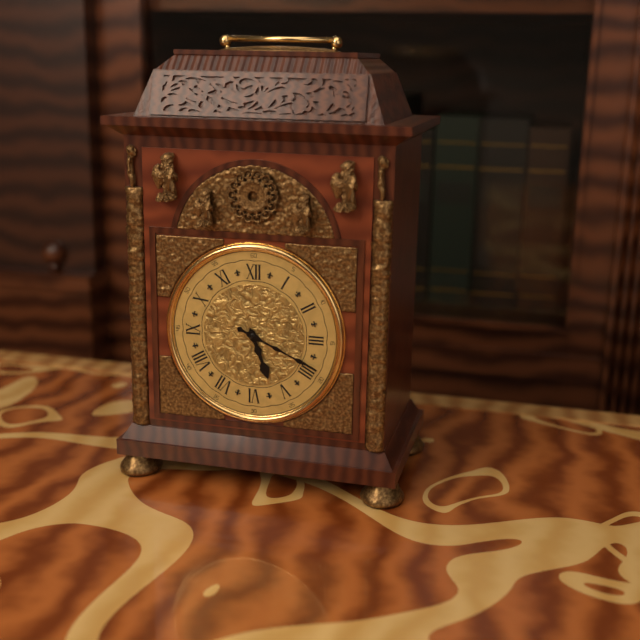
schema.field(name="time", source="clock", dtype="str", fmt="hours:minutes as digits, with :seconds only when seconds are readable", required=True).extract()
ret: 5:19
